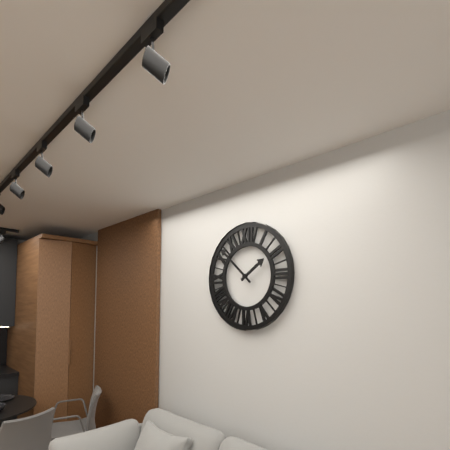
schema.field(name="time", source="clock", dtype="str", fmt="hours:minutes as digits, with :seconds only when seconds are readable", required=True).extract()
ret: 1:52
